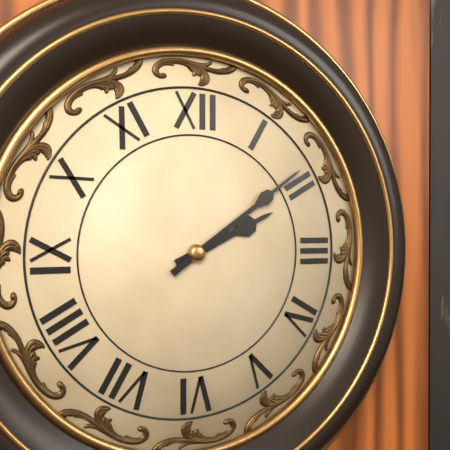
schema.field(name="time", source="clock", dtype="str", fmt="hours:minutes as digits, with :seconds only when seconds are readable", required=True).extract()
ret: 2:09
